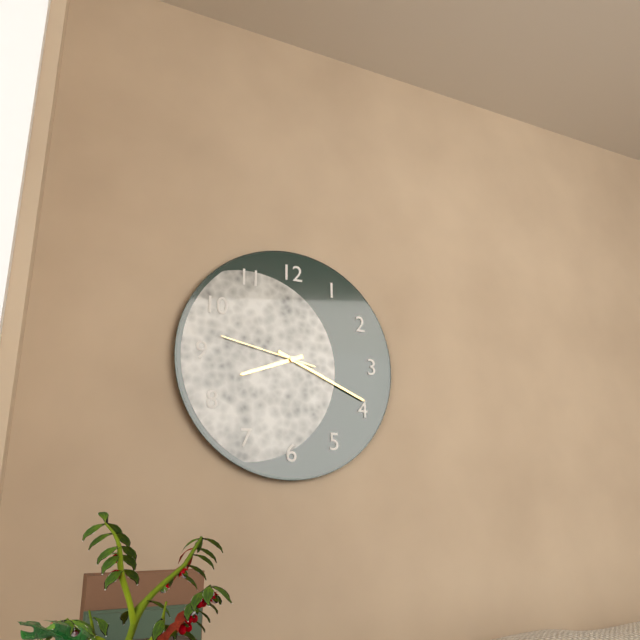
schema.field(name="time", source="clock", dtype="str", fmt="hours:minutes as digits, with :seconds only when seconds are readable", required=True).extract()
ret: 8:19:47
